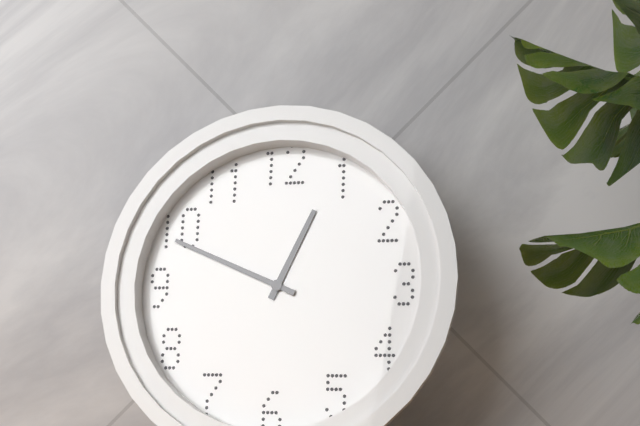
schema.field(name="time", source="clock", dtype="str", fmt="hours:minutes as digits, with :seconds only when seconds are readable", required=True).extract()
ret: 12:49
